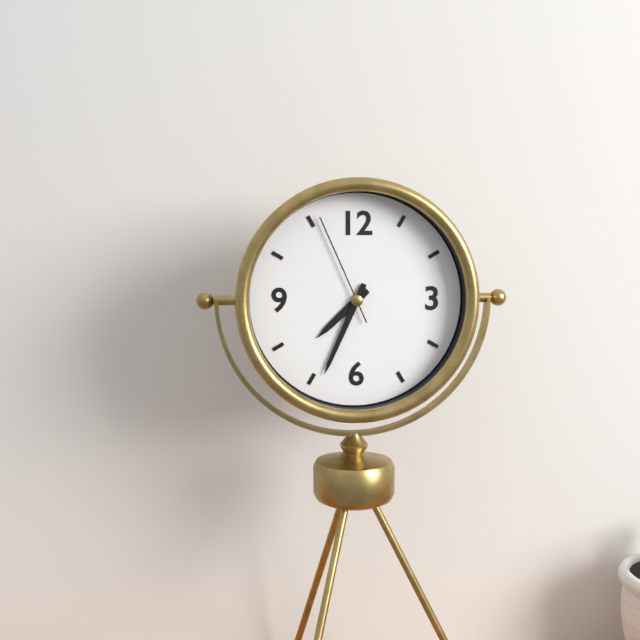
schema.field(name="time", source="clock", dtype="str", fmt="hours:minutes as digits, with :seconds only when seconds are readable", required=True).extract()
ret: 7:34:56
